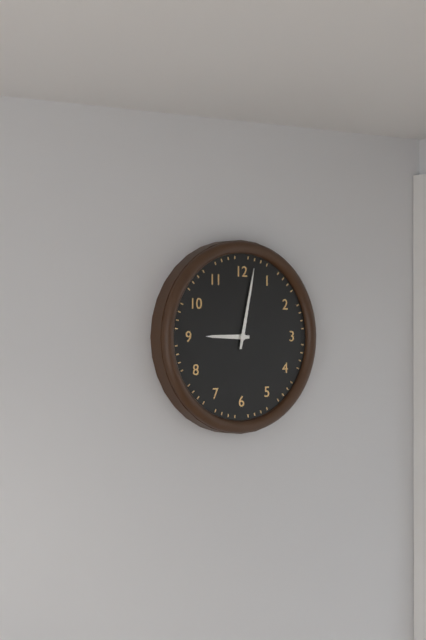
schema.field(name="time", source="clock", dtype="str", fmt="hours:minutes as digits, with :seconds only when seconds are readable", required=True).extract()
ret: 9:02
